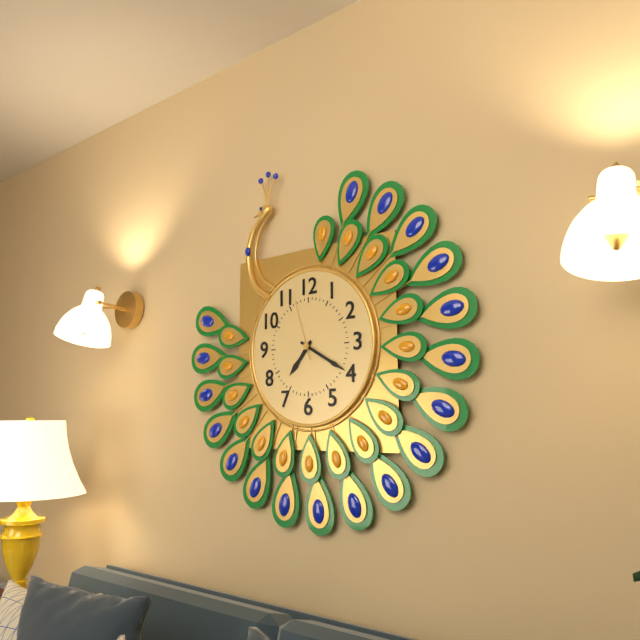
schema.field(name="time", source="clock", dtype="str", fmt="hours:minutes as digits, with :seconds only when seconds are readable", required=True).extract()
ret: 7:20:57
